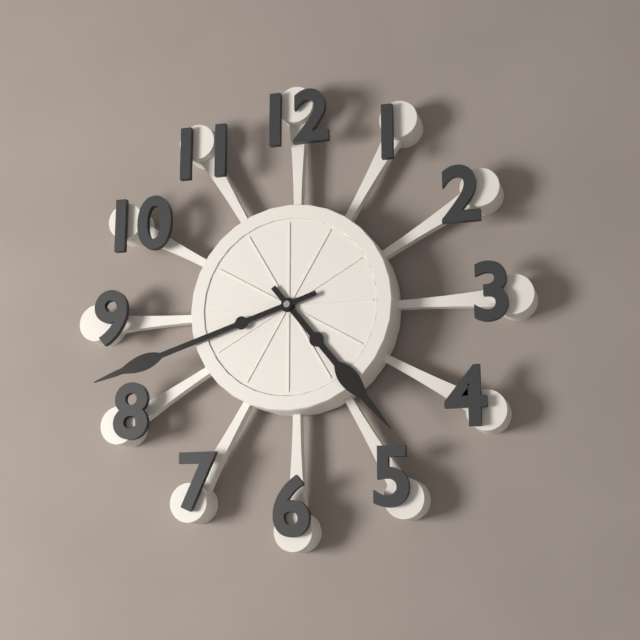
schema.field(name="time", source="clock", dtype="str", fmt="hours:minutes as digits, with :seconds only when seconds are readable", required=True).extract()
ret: 4:42
